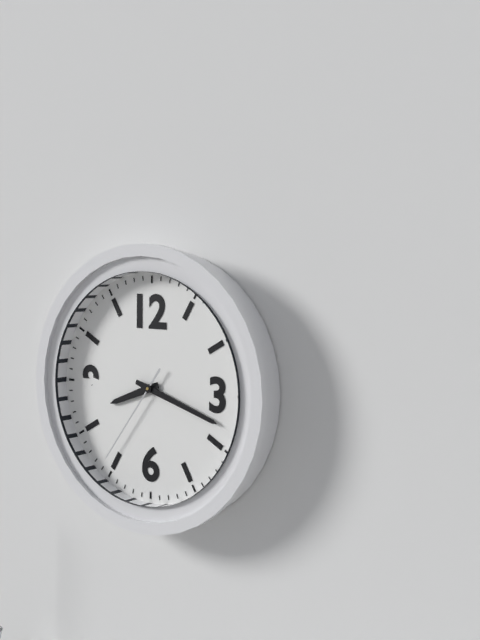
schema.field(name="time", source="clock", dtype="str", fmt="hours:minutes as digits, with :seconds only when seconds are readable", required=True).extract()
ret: 8:18:36
